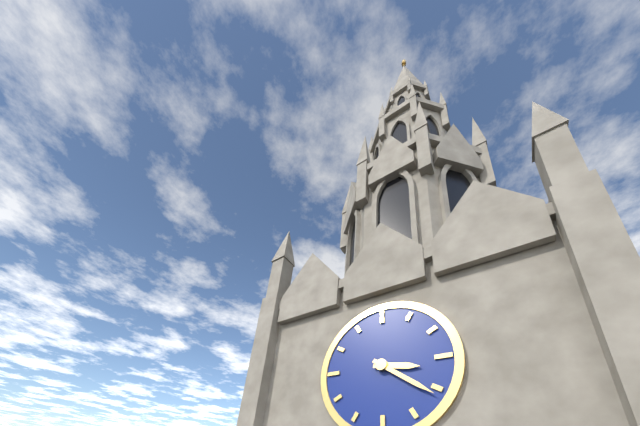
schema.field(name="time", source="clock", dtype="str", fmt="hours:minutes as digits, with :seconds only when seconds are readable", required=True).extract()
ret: 3:21
